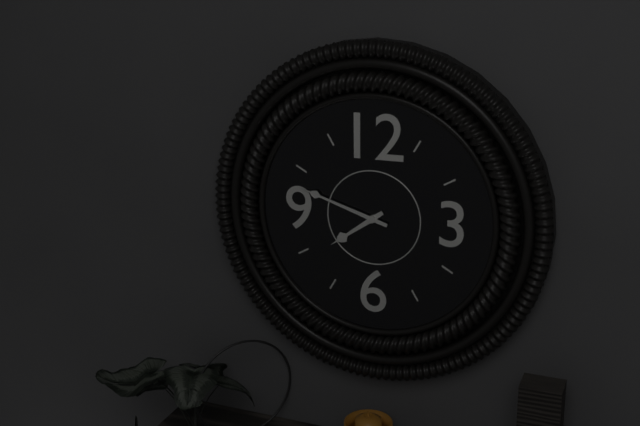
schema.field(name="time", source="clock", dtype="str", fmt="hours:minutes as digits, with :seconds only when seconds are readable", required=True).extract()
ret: 7:48
